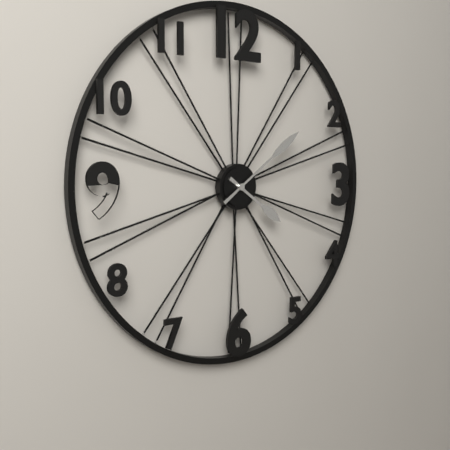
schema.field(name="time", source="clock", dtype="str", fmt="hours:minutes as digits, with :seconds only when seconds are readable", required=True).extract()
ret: 4:09
